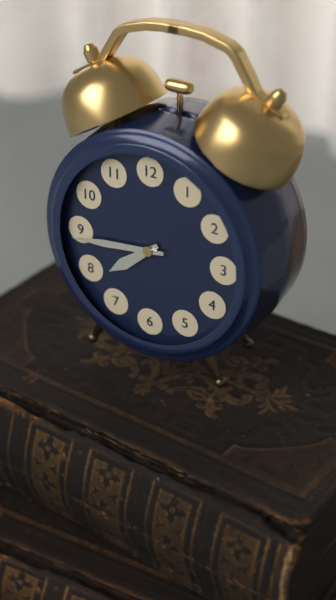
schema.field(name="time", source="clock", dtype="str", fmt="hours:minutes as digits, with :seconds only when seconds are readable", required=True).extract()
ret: 7:44
